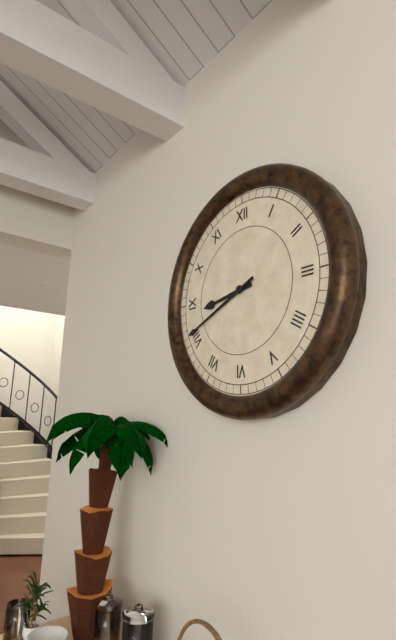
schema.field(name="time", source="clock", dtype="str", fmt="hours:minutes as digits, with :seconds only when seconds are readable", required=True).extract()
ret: 8:41
